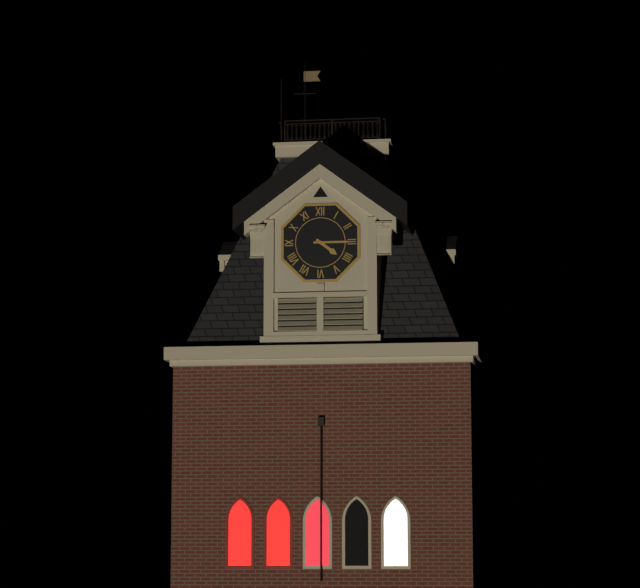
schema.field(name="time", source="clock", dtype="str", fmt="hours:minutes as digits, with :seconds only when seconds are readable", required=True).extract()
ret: 4:15
